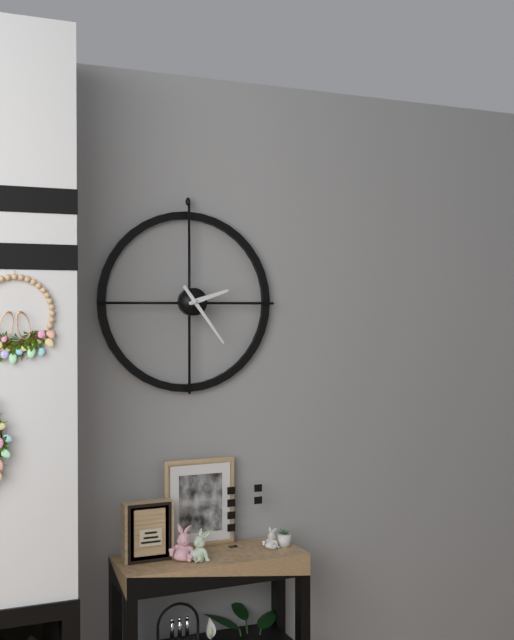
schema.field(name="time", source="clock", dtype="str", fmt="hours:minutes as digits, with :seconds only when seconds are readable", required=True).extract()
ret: 2:24
